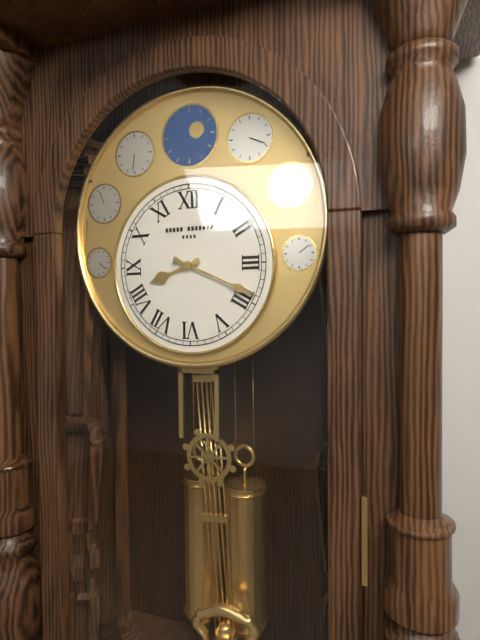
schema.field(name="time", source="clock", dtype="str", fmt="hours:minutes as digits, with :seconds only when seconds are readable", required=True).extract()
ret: 8:19
